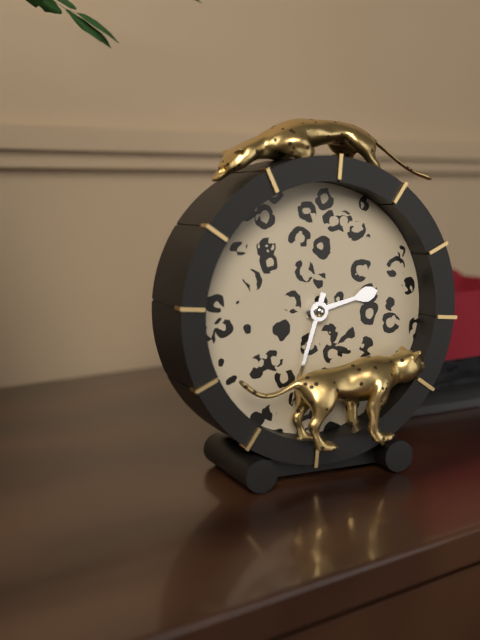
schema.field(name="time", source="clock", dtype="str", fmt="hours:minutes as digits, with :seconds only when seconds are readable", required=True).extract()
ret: 2:33
